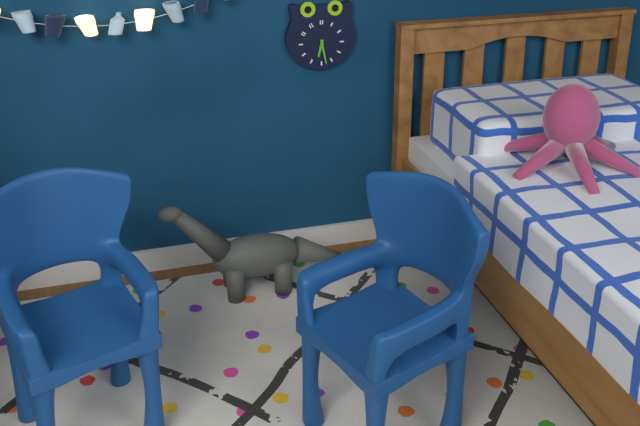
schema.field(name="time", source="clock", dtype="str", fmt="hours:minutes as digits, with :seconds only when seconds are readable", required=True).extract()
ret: 6:28
